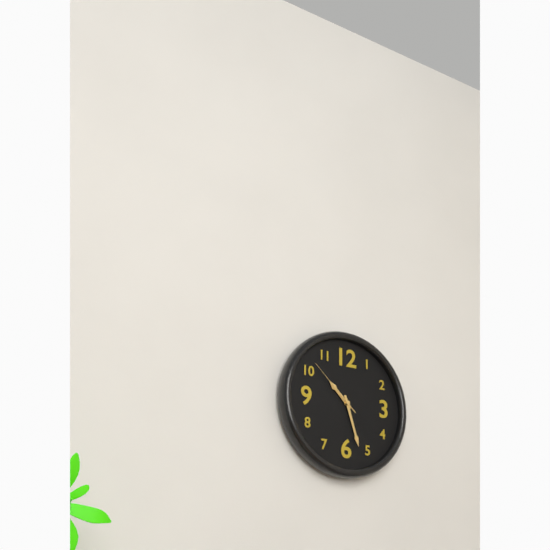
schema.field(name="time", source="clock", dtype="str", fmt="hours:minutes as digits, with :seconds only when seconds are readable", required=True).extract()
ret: 10:27:52
